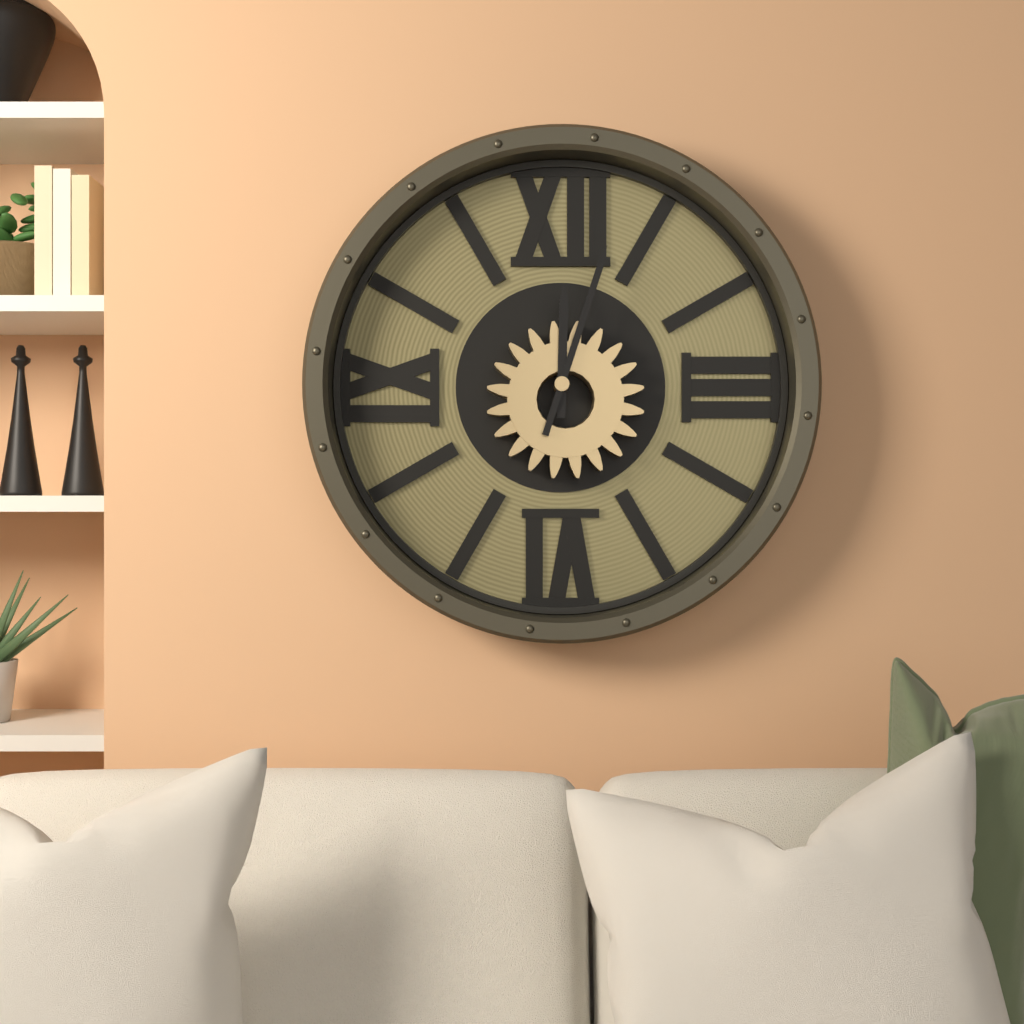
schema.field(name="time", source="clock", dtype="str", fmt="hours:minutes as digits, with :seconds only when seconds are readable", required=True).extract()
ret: 12:03
